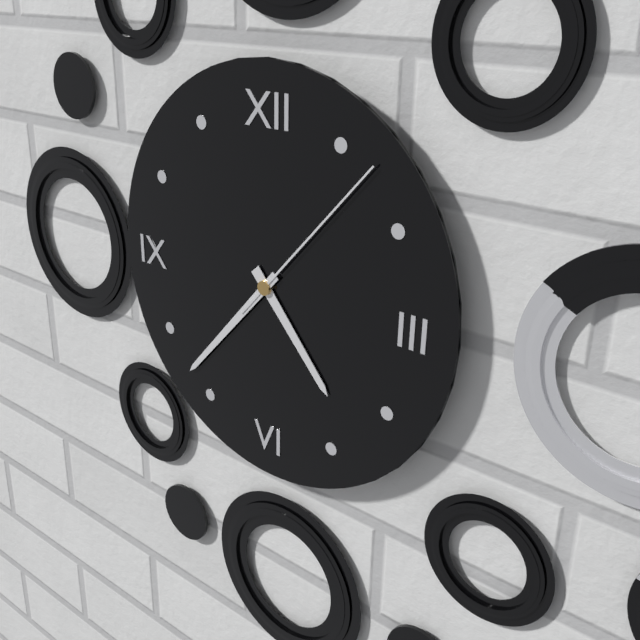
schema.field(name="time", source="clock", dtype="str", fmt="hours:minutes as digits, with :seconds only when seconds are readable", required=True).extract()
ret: 4:37:07
